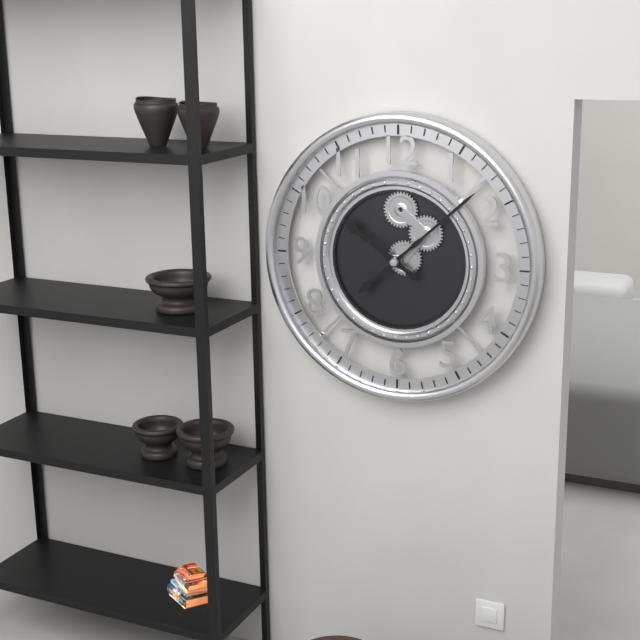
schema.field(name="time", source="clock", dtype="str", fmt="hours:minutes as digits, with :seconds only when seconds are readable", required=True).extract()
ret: 10:08
